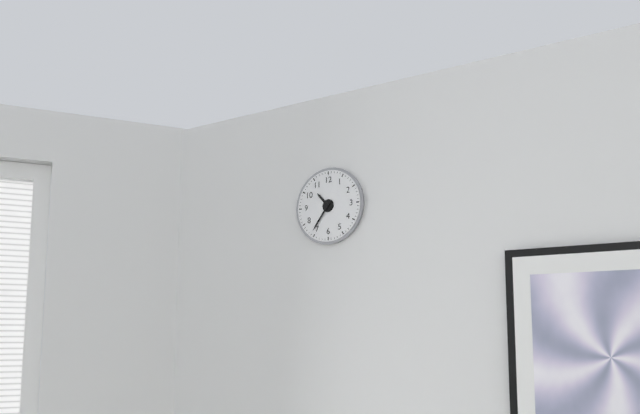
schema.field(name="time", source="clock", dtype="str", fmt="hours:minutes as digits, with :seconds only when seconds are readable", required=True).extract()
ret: 10:36
